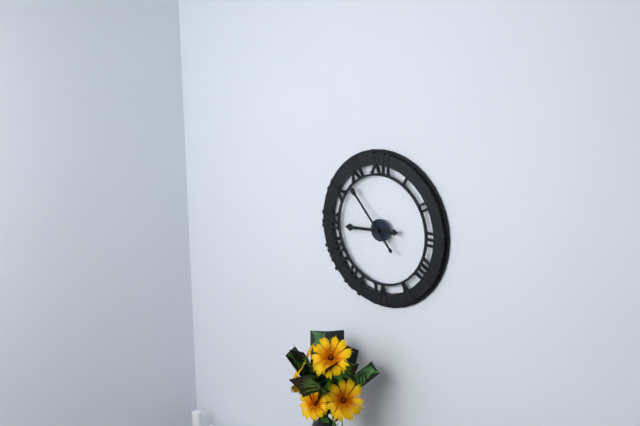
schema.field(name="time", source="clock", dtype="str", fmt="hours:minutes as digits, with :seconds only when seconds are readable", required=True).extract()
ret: 8:53
